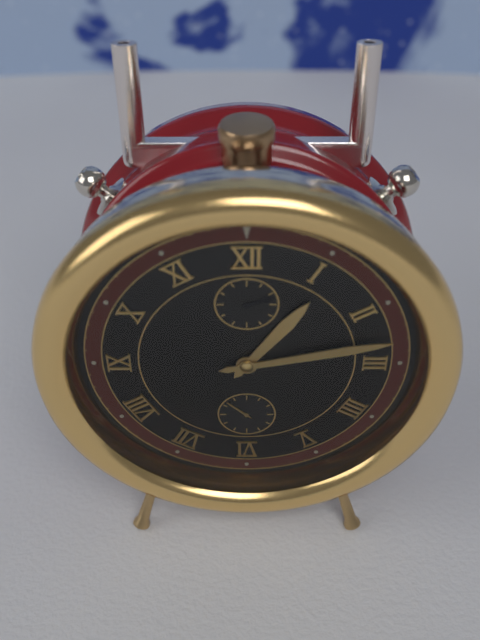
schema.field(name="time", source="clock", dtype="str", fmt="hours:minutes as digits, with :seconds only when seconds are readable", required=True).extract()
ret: 1:13:52
